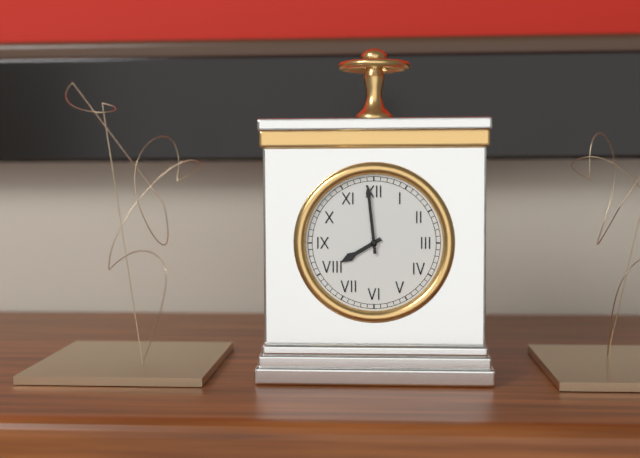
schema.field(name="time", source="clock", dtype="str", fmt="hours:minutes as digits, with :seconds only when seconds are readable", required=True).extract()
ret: 7:59
